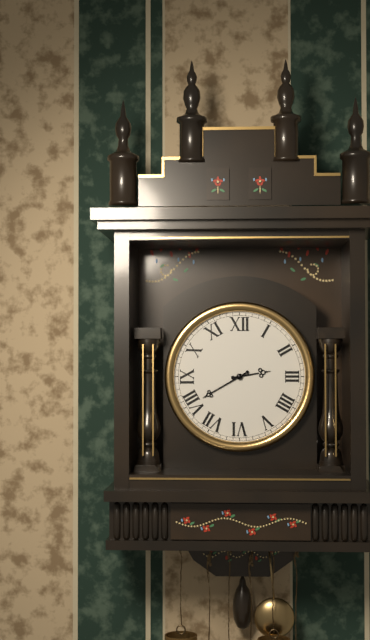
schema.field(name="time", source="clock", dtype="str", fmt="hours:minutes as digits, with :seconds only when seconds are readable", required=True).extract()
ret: 2:40
